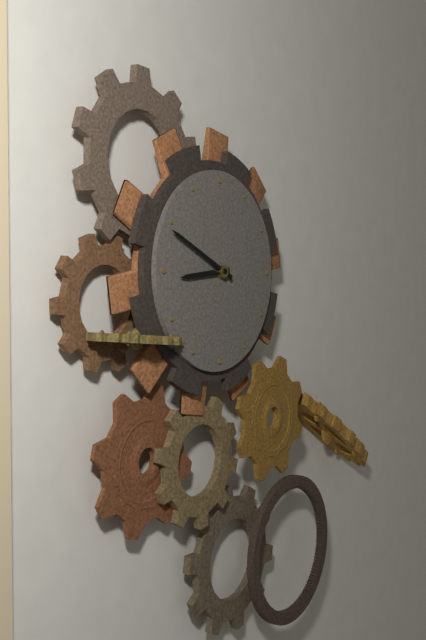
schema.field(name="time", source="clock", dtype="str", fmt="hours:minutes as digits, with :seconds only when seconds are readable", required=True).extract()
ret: 8:49
